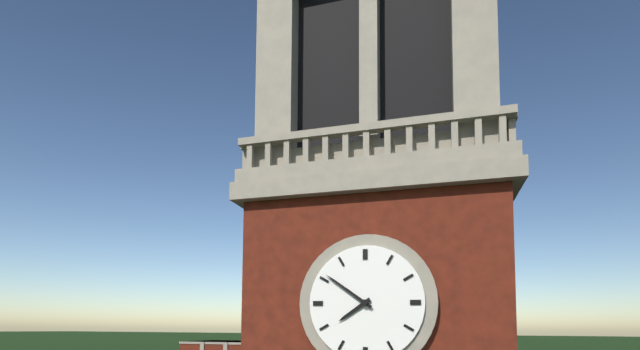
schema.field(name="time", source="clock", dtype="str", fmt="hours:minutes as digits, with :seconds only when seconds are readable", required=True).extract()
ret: 7:51
